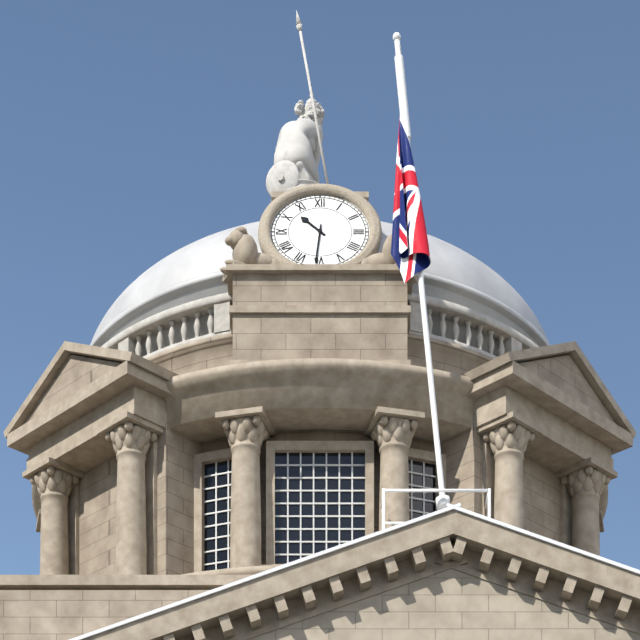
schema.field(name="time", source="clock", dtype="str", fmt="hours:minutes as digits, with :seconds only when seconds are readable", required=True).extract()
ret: 10:31
